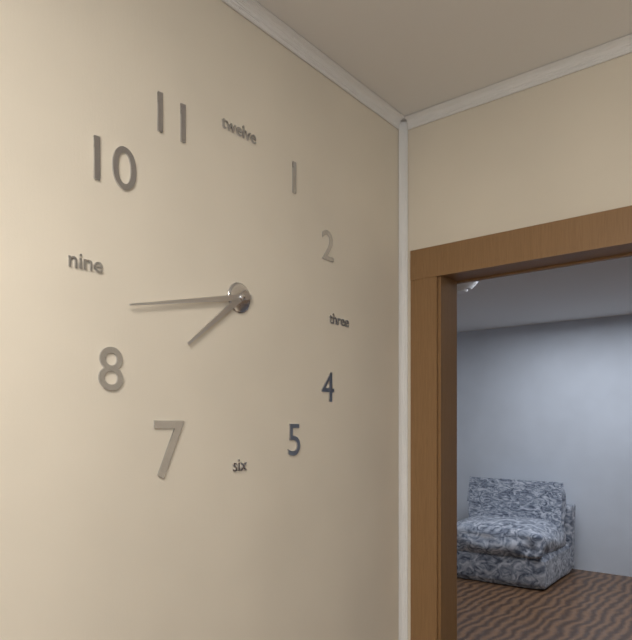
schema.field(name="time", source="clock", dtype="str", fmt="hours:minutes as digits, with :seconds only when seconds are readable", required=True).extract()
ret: 7:43
